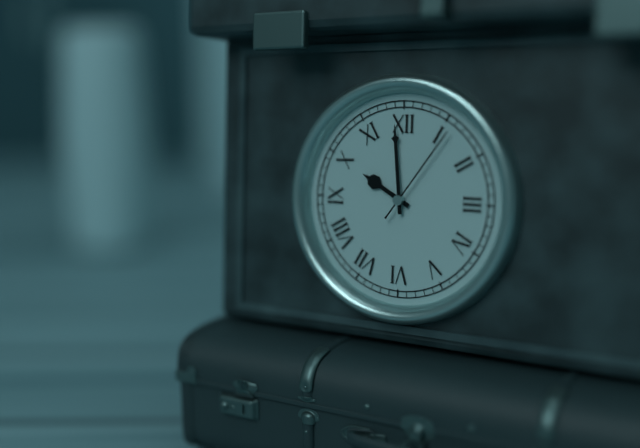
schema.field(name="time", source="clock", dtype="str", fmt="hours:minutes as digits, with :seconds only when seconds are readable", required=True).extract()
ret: 9:59:06
